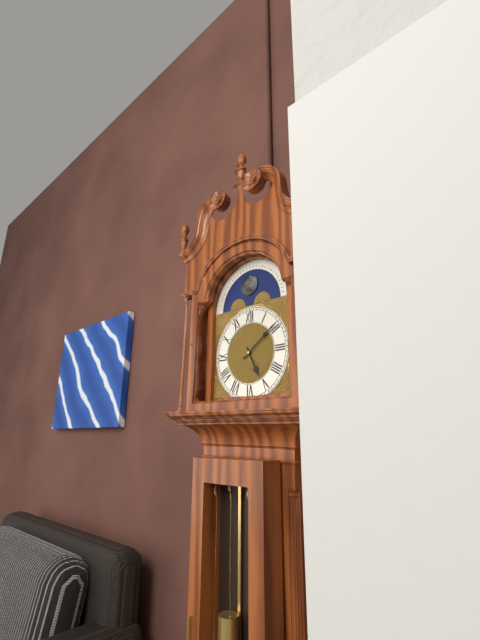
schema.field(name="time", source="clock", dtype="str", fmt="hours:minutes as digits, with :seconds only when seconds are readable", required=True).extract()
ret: 5:09
